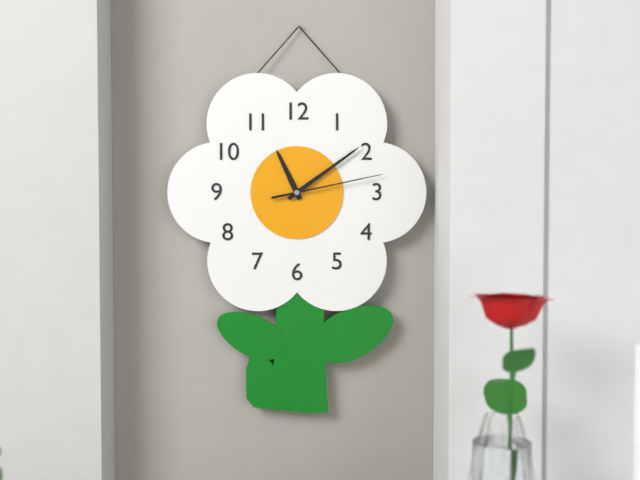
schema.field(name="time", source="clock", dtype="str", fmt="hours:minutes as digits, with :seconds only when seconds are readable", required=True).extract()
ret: 11:09:13
